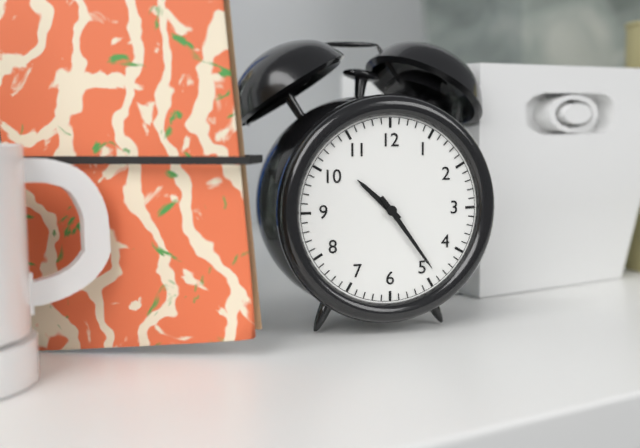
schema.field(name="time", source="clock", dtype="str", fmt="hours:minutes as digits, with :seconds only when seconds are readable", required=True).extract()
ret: 10:24
